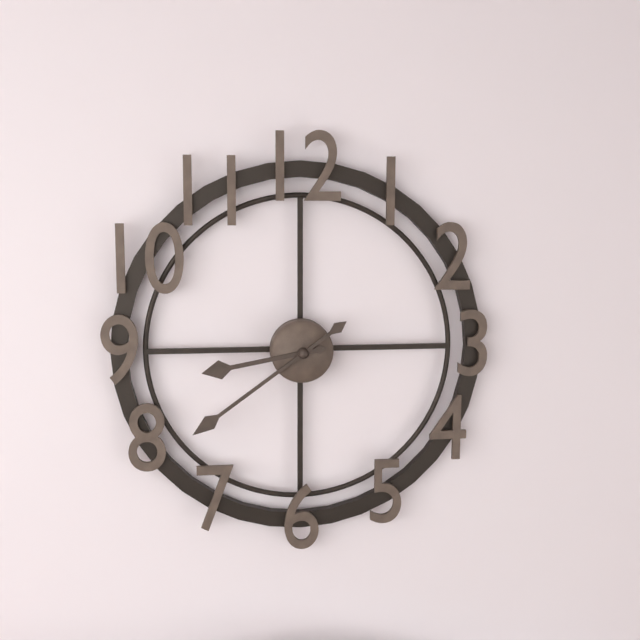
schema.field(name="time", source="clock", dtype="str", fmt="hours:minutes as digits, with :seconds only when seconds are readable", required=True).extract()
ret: 8:39
